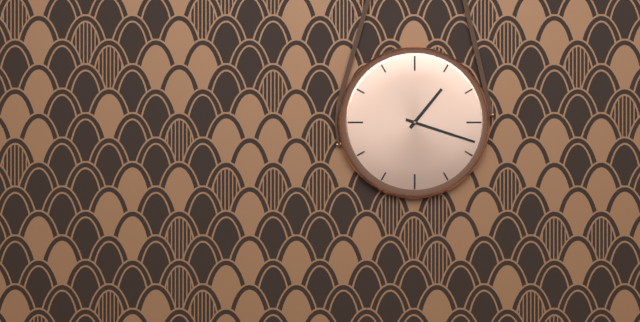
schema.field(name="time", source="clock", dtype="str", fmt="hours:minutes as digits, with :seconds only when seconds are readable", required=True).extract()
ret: 1:18
